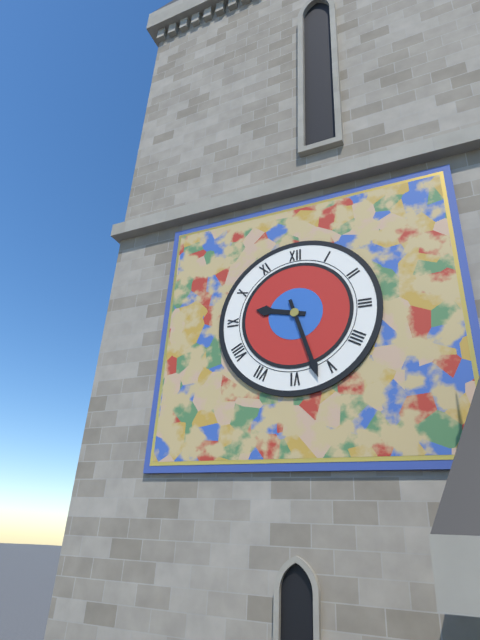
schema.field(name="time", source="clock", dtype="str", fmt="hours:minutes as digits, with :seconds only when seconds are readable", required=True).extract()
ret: 9:27
